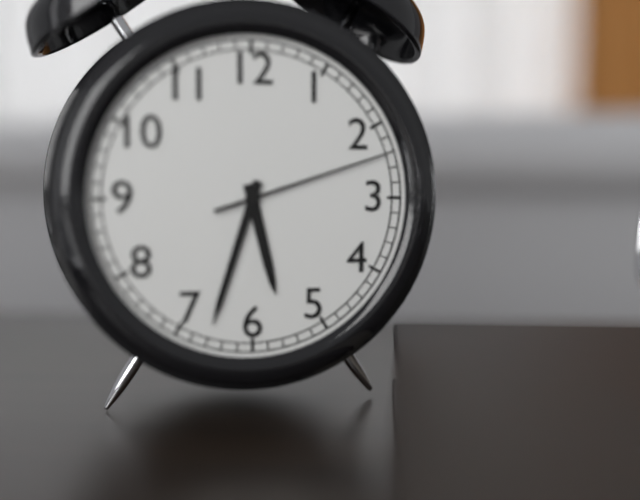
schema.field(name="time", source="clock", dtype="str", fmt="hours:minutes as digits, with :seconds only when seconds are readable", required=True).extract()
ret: 5:33:12
